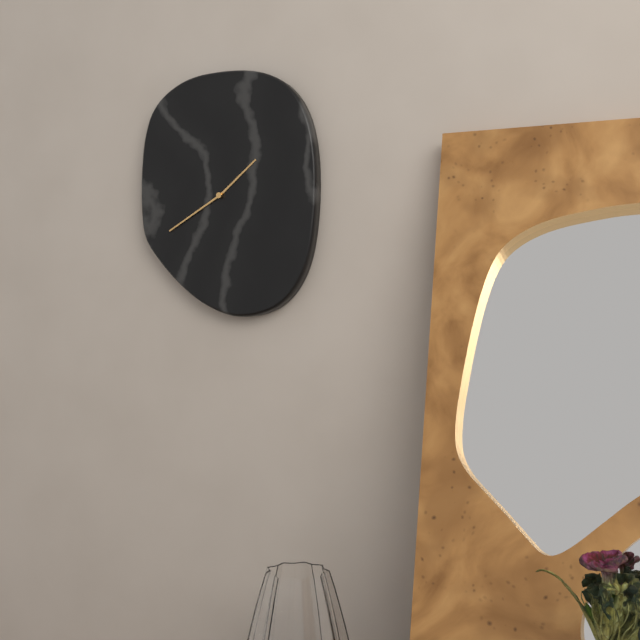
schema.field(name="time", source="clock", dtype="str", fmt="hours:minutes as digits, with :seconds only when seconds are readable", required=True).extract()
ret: 1:40
